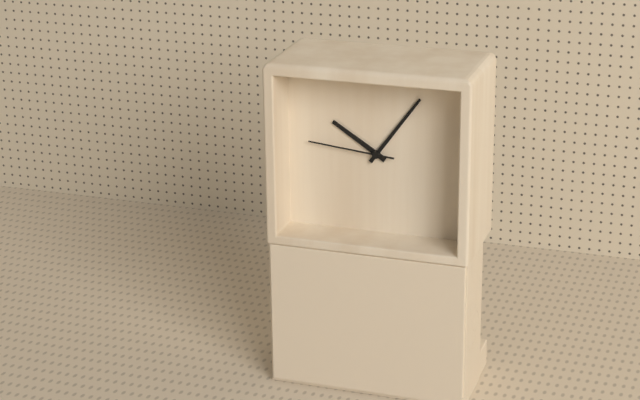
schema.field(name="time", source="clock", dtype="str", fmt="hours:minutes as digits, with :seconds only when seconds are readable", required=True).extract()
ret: 10:06:46
